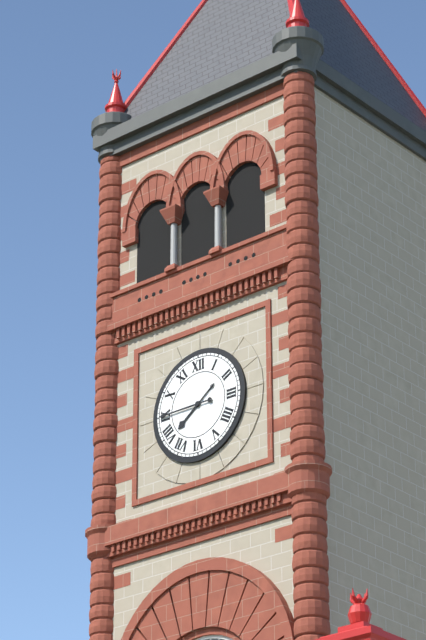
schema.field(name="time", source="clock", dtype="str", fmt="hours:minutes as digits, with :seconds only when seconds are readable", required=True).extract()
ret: 7:45
